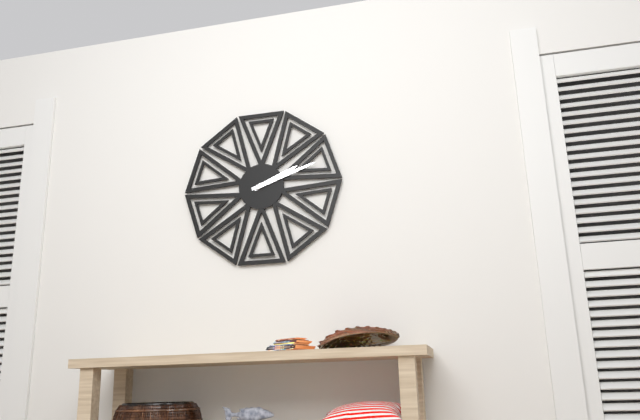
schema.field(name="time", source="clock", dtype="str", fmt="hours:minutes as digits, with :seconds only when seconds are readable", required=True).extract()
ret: 2:12
